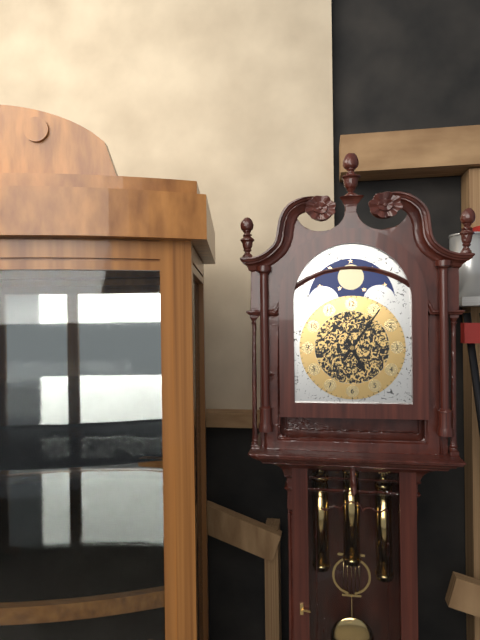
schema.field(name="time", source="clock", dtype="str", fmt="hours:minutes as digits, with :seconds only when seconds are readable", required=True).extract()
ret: 5:06
